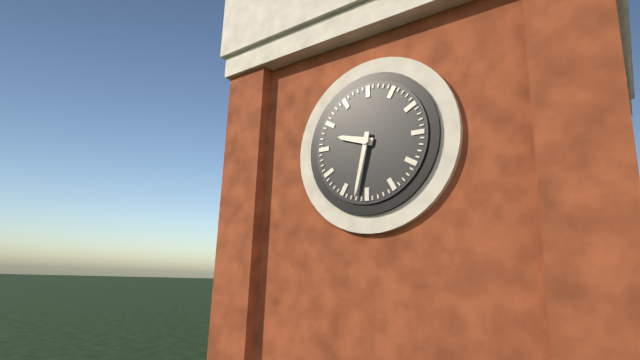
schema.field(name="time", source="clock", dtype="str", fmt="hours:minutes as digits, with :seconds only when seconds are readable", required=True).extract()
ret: 9:32
